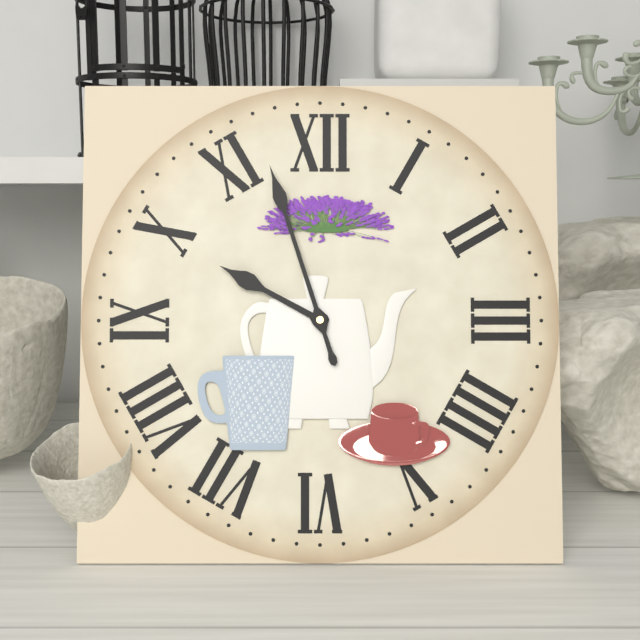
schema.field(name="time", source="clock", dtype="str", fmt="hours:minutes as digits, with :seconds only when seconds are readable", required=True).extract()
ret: 9:57
